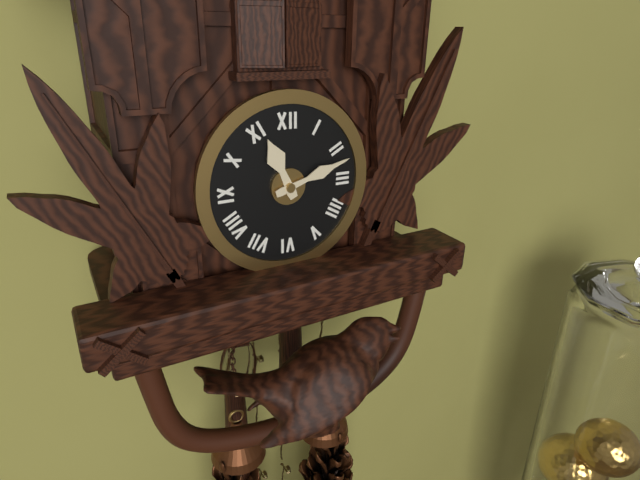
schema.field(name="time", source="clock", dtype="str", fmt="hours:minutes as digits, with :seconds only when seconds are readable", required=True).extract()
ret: 11:12
